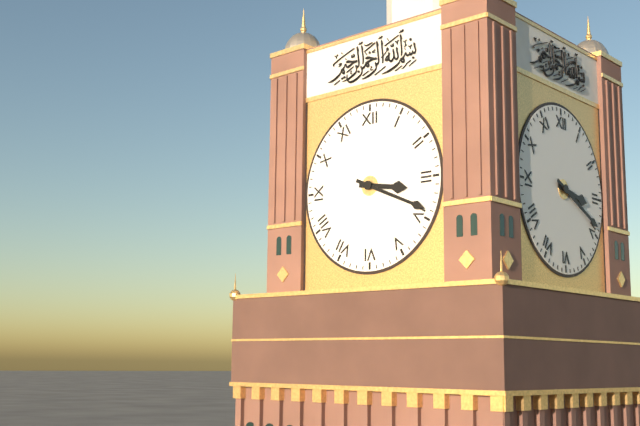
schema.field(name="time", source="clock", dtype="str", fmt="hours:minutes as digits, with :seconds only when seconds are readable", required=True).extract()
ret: 3:19
